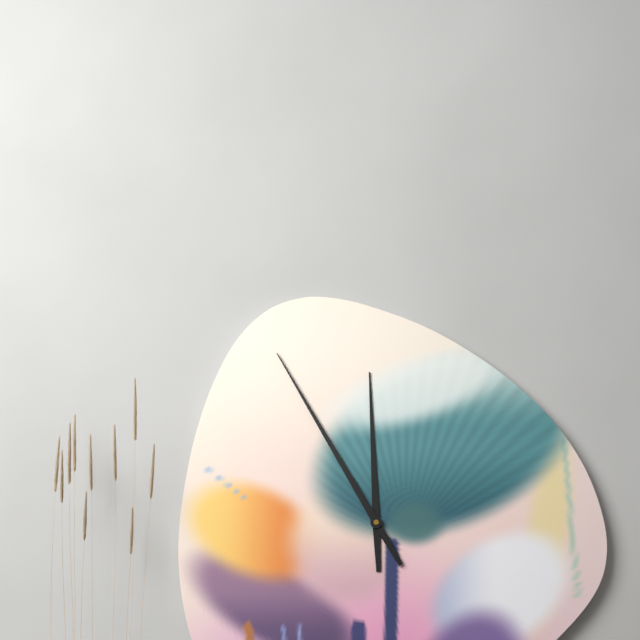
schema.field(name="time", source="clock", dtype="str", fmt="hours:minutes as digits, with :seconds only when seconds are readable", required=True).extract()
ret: 11:55
